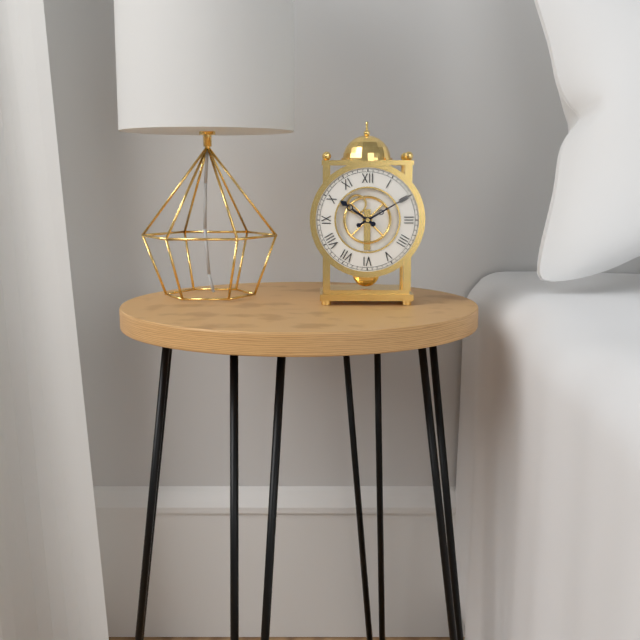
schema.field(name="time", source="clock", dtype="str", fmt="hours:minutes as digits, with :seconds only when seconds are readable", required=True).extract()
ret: 10:10
